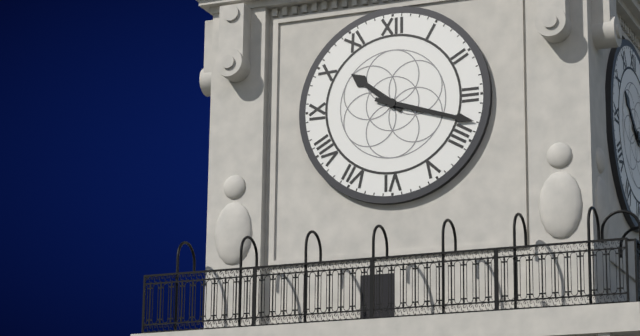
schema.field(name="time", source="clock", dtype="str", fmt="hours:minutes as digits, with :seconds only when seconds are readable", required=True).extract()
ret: 10:18
